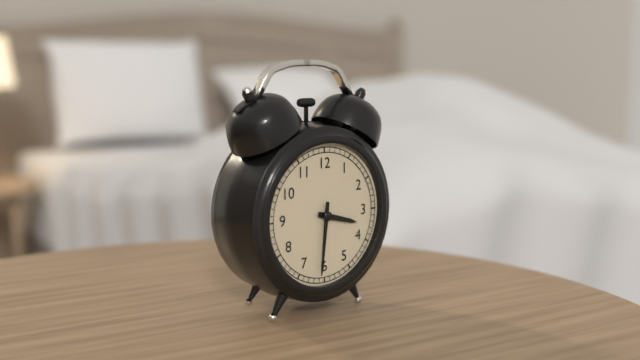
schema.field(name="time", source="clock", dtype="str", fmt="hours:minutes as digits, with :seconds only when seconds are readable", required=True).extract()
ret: 3:31
